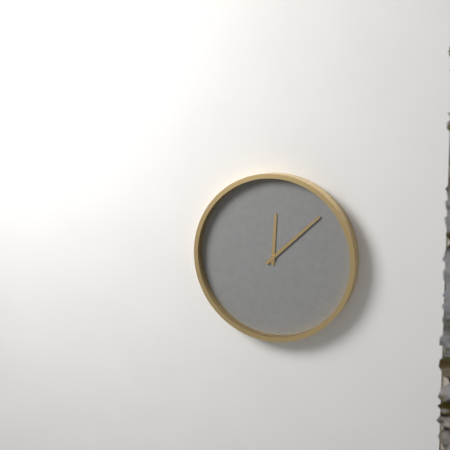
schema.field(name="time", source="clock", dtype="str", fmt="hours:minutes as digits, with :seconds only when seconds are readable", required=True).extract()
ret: 12:08
